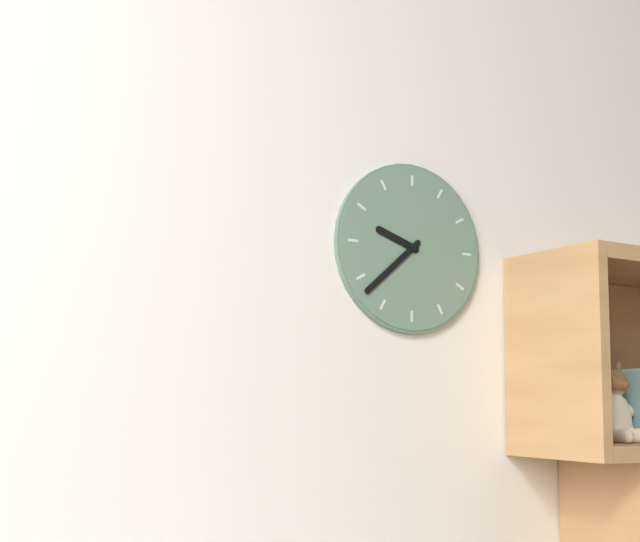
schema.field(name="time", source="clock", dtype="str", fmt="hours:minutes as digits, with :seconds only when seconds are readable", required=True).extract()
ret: 9:38
